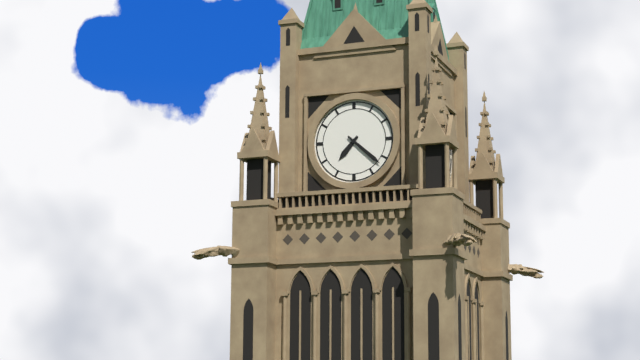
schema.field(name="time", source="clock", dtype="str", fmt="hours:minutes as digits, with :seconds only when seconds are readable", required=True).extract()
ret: 7:22
